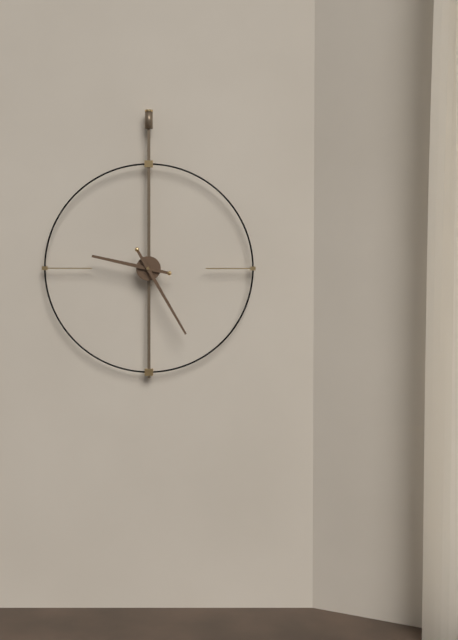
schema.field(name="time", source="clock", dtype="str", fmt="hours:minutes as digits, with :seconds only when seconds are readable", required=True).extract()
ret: 9:25
